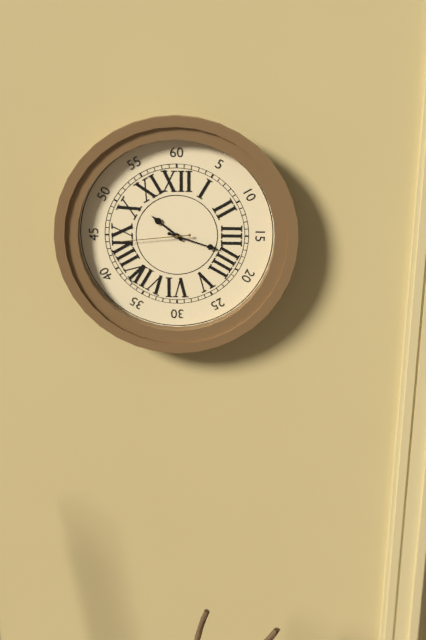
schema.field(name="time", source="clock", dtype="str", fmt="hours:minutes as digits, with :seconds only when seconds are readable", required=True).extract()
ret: 10:18:44
